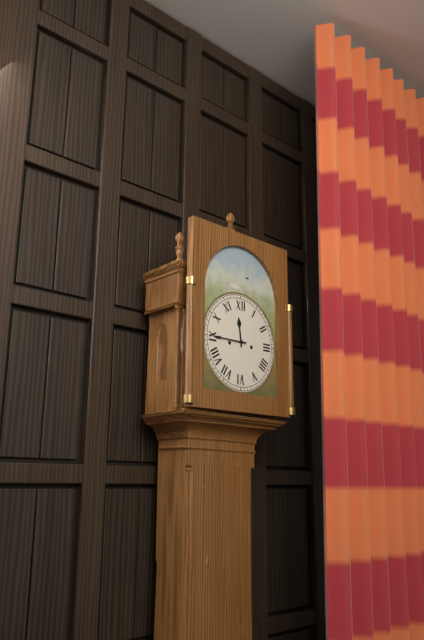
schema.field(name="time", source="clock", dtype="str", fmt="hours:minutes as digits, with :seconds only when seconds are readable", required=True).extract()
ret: 11:45
